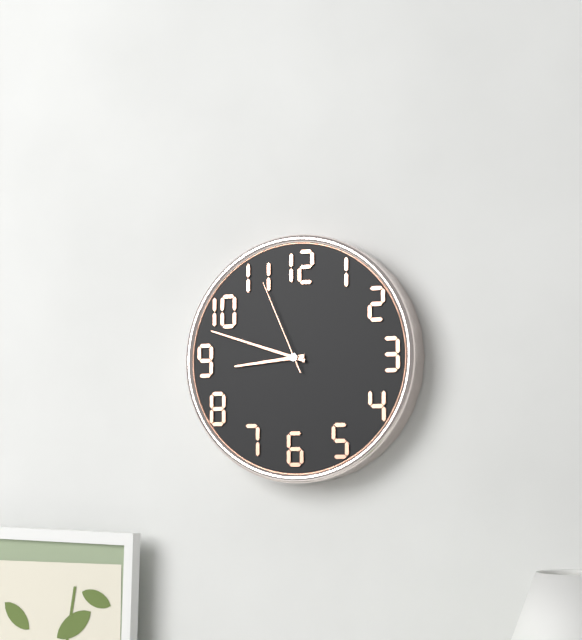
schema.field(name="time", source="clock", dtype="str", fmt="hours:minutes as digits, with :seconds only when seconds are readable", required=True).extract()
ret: 8:48:56
